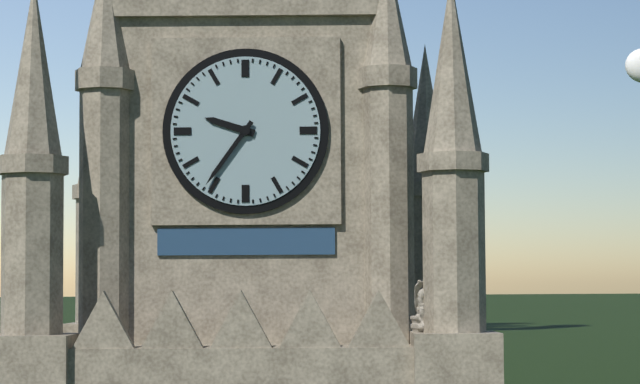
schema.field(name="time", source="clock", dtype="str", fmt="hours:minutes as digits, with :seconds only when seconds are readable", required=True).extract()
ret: 9:36
